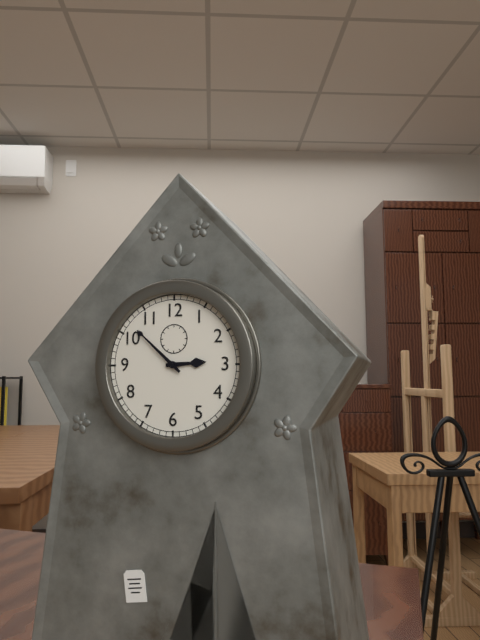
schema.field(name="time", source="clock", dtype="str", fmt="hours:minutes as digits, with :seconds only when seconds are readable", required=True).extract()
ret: 2:52
